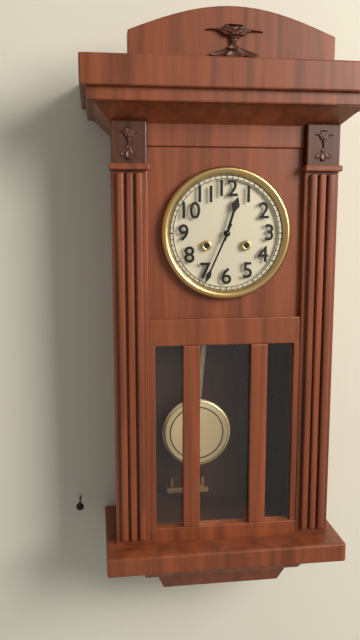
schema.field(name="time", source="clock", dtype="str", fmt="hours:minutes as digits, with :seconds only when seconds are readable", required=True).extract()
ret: 12:34
